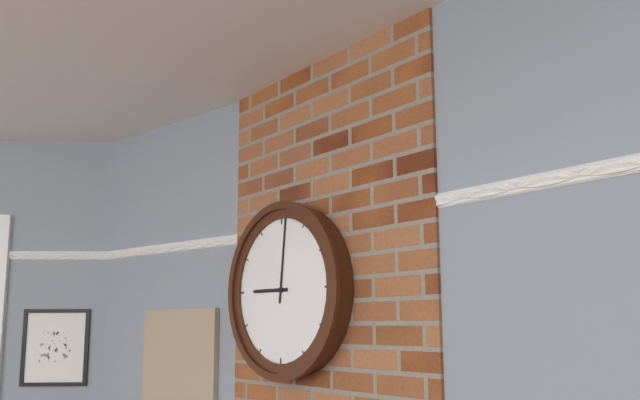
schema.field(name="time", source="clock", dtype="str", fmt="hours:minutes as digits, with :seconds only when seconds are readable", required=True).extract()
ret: 9:01
